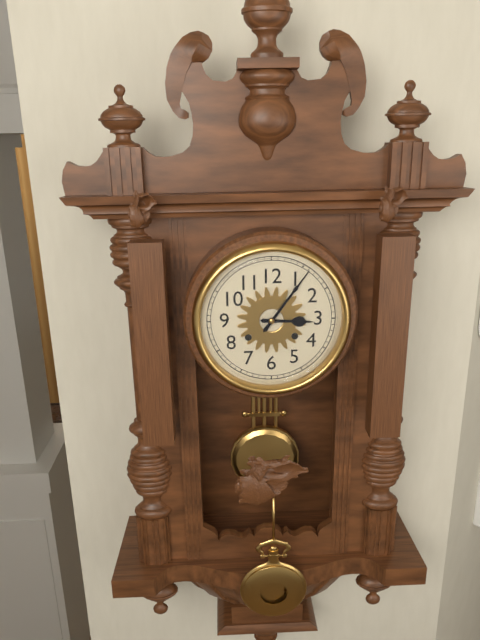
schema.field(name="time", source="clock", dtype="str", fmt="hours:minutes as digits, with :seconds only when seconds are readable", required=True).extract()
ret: 3:06
